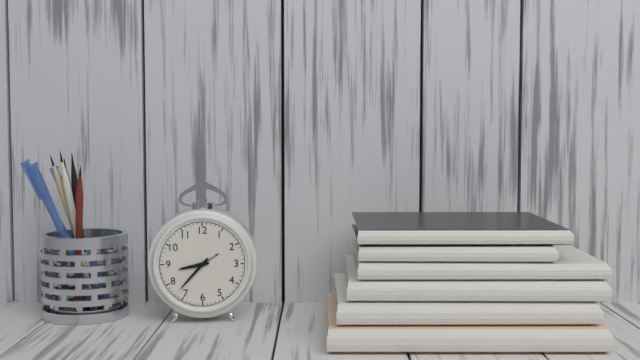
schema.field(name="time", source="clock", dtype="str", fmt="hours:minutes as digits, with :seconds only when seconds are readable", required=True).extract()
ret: 8:37
